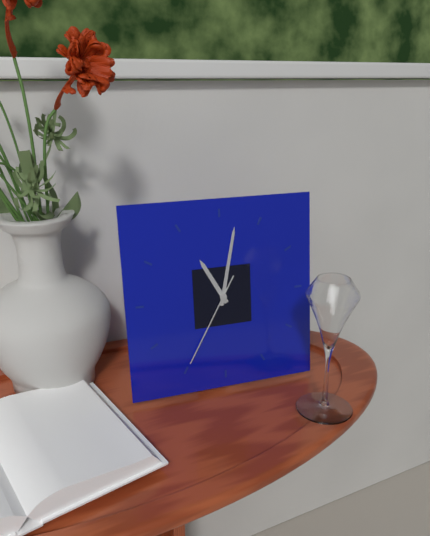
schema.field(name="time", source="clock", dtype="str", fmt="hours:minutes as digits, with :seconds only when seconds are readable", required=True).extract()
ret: 11:02:35
